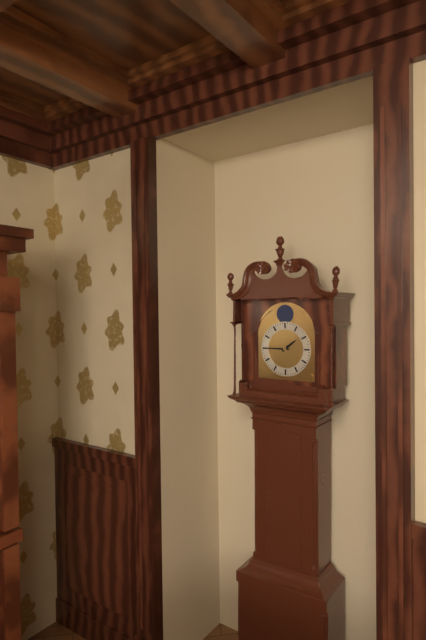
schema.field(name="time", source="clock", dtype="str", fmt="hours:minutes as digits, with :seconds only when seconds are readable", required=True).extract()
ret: 1:45
